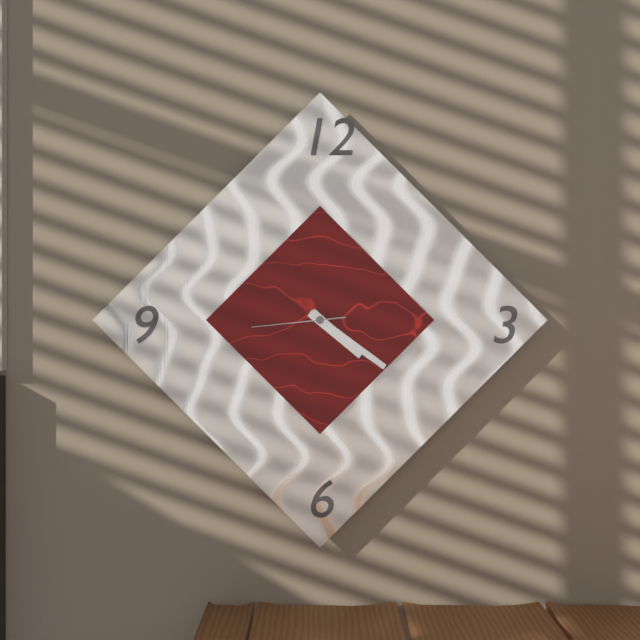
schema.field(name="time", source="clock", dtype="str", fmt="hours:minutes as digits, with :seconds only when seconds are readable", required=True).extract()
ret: 4:21:44
